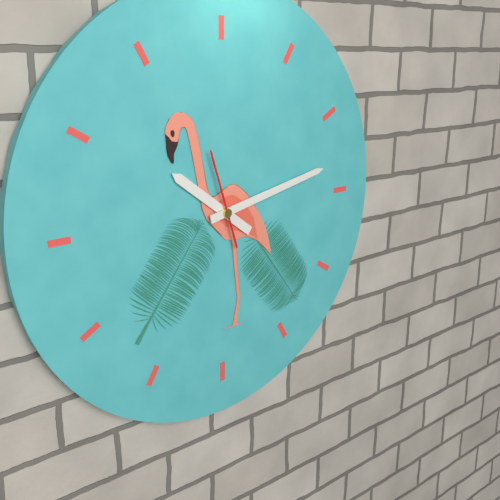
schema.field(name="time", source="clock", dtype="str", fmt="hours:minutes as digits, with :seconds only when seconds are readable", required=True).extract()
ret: 10:13:57
